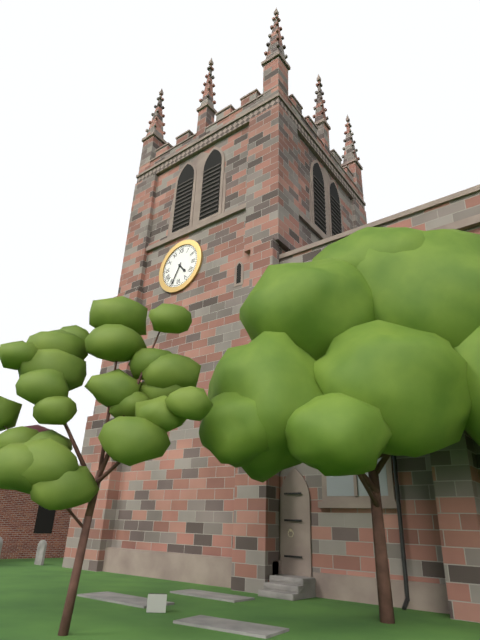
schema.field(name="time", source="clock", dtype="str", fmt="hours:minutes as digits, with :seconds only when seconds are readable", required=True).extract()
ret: 4:34
